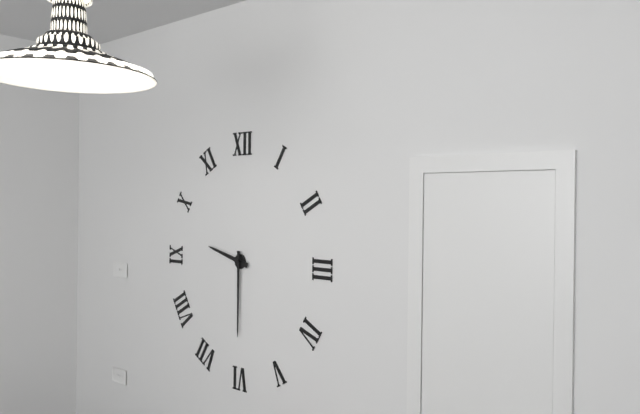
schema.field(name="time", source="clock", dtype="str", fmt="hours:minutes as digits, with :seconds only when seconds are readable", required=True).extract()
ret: 9:30
